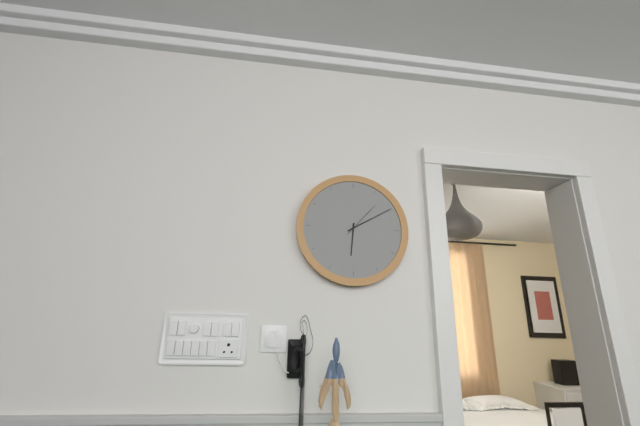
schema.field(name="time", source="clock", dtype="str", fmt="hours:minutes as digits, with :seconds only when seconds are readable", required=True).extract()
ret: 6:10
